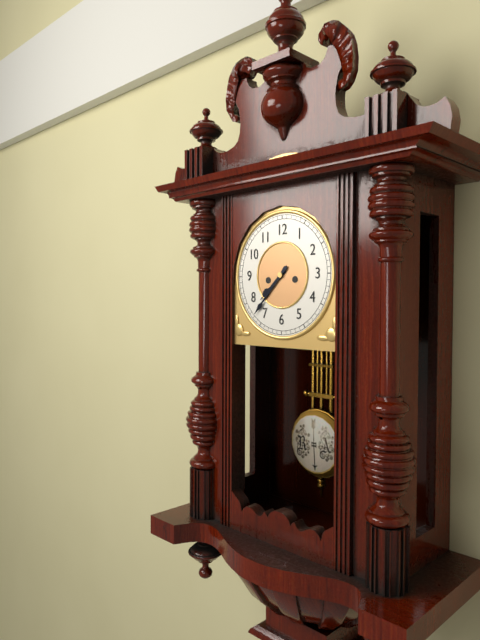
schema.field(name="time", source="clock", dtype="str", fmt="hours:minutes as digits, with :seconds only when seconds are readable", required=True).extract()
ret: 7:37
